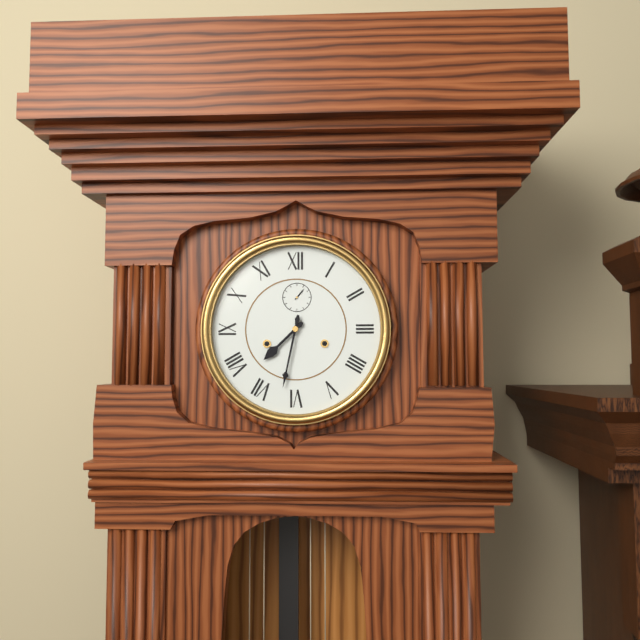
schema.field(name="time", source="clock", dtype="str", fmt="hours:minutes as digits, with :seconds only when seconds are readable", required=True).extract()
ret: 7:32
